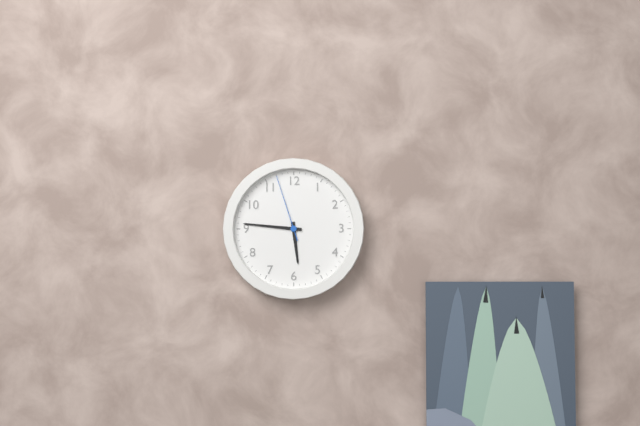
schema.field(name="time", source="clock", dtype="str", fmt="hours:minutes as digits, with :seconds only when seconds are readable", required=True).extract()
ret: 5:46:57
